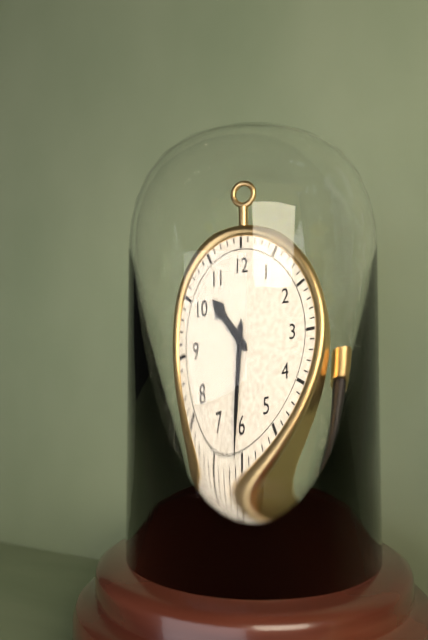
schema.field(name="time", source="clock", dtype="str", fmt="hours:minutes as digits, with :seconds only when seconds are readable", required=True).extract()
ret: 10:31
